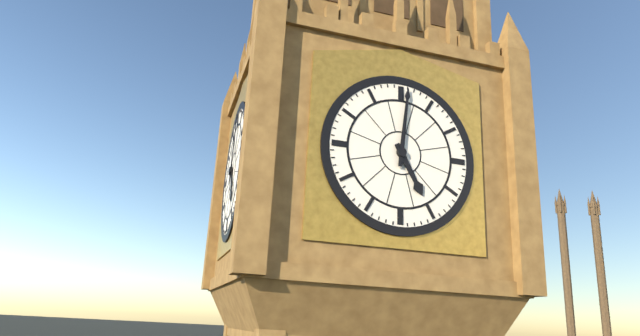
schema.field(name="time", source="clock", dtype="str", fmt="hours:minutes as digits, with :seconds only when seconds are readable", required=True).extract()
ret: 5:01
